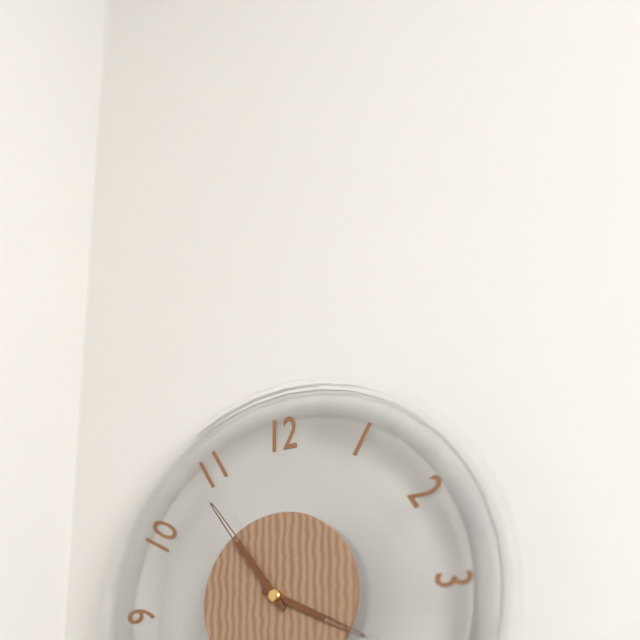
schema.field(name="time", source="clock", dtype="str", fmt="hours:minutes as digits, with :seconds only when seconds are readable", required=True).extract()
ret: 3:54
